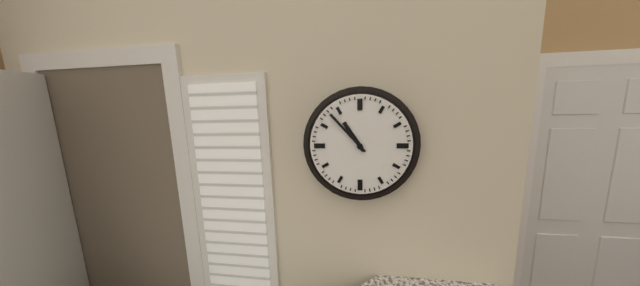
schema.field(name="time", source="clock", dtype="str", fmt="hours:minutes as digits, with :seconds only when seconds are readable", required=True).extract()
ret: 10:53
